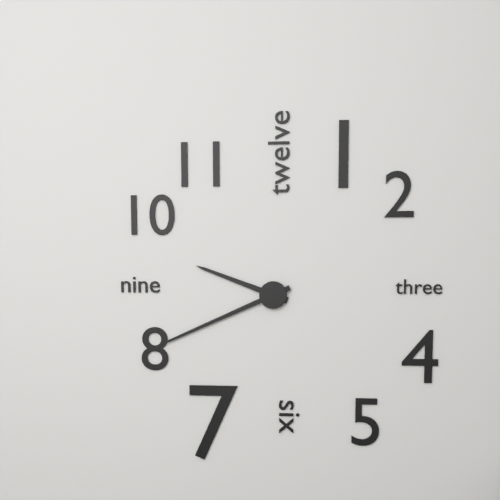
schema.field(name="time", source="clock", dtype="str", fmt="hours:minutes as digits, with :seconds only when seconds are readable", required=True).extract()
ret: 9:41
